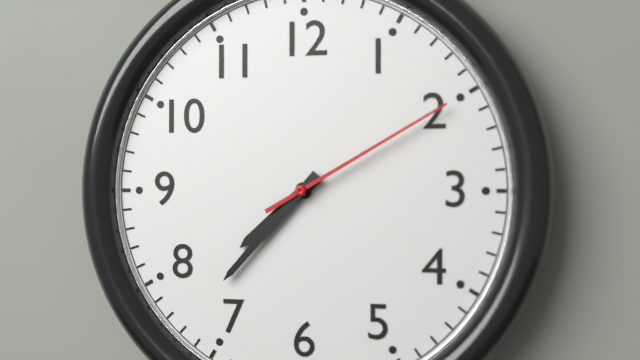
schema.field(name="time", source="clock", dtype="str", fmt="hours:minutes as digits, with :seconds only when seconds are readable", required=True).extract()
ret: 7:37:10
